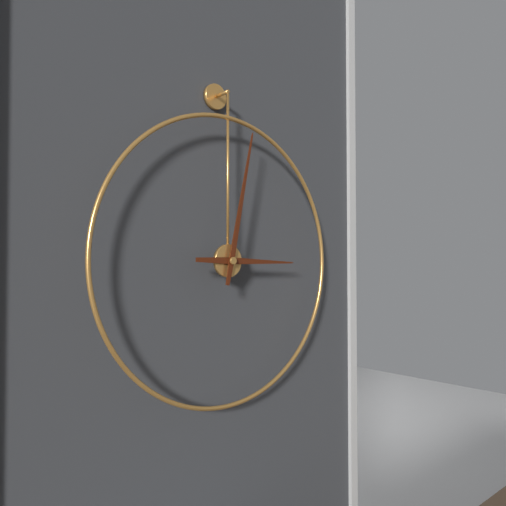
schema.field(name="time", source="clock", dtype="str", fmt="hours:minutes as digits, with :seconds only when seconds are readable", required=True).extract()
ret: 3:02
